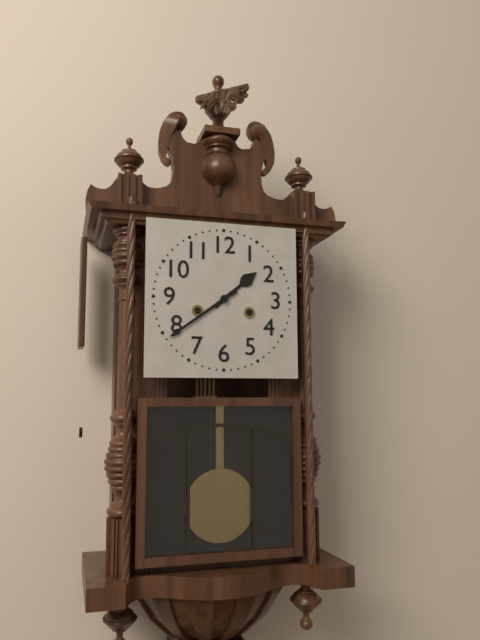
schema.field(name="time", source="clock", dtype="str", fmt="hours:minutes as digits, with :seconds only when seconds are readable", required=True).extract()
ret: 1:39
